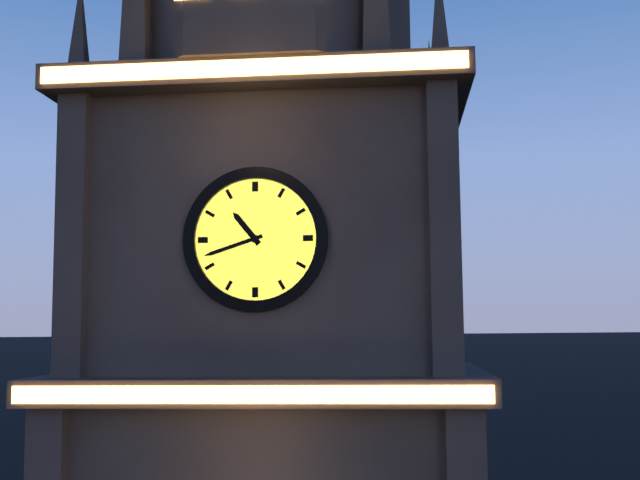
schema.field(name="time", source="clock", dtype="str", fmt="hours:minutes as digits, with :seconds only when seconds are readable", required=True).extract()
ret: 10:42
